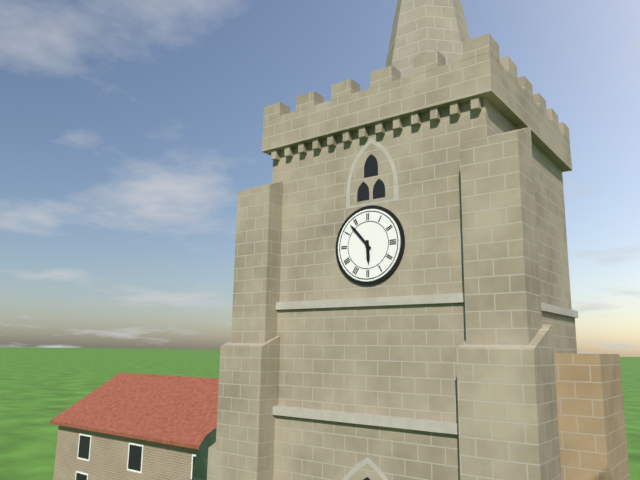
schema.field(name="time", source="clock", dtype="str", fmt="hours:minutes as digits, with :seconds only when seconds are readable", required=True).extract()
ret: 5:53
